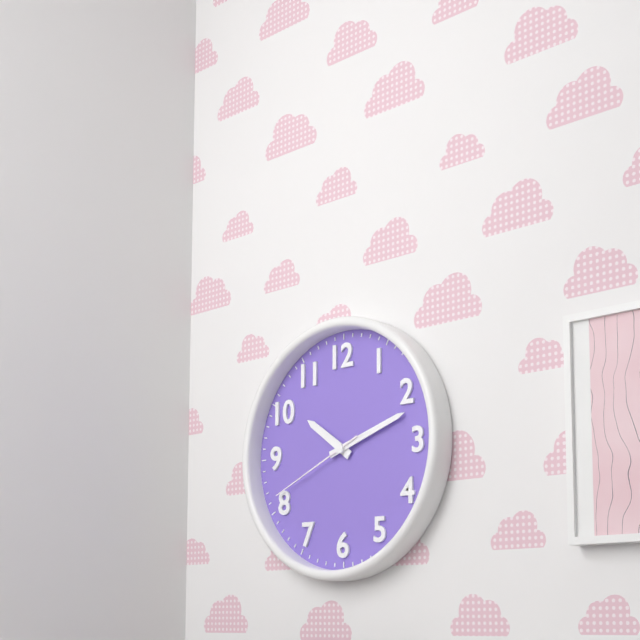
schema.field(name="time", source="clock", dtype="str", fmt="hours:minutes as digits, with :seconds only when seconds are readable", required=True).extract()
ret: 10:12:41
